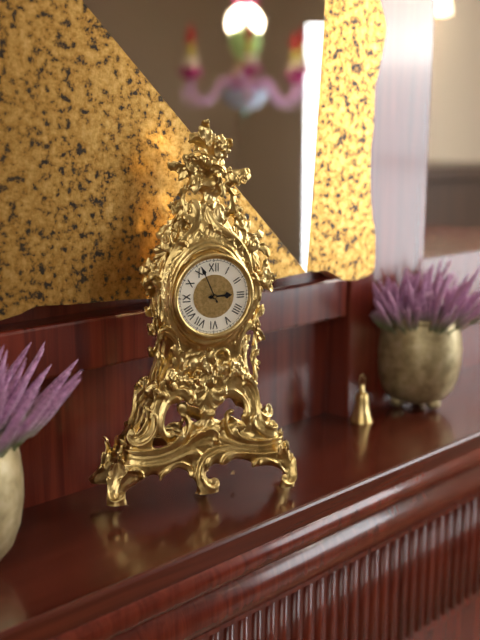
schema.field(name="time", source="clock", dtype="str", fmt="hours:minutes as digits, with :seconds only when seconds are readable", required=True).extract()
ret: 2:56
